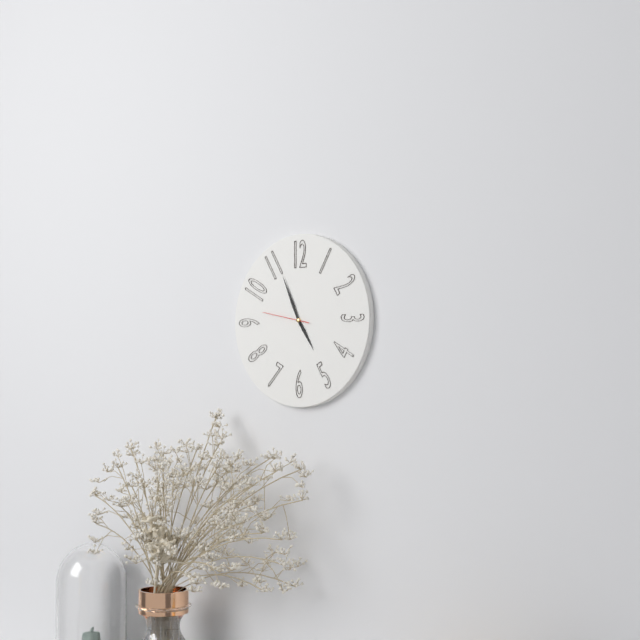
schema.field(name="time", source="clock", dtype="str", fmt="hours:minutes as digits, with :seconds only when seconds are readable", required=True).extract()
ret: 4:56
